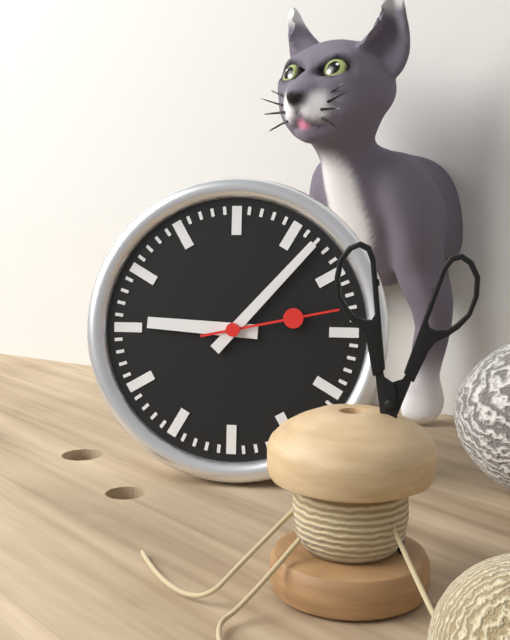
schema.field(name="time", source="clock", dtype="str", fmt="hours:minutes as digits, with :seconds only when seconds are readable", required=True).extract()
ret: 9:07:13
